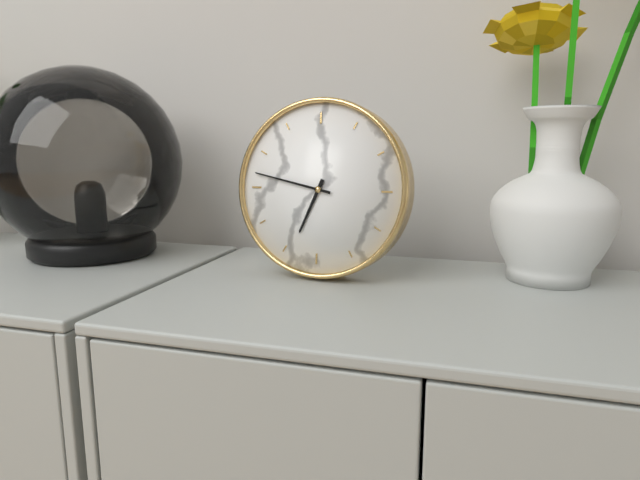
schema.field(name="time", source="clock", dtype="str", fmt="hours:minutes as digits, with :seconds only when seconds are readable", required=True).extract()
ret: 6:47
